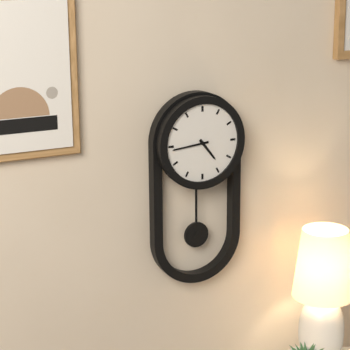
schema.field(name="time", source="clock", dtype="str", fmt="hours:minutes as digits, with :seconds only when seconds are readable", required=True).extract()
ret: 4:44
